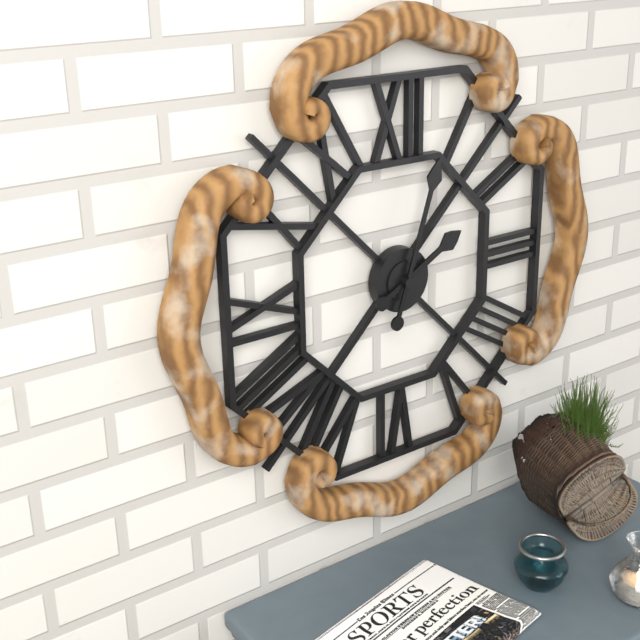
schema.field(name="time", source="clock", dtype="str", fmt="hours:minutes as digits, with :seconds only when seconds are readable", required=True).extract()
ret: 2:03
